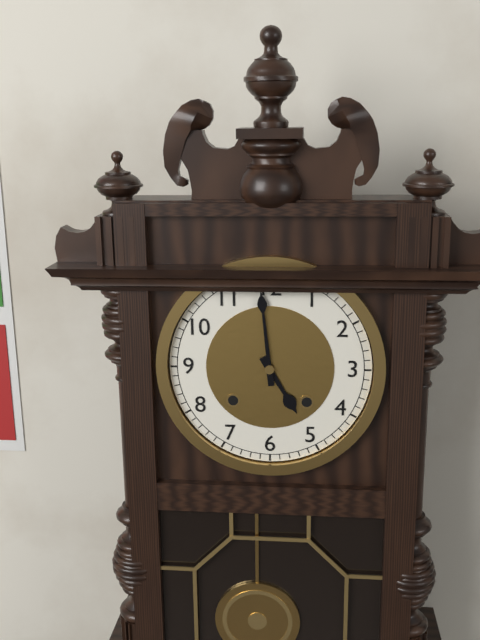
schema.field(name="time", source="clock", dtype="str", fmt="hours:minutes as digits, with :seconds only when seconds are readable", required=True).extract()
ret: 4:59
